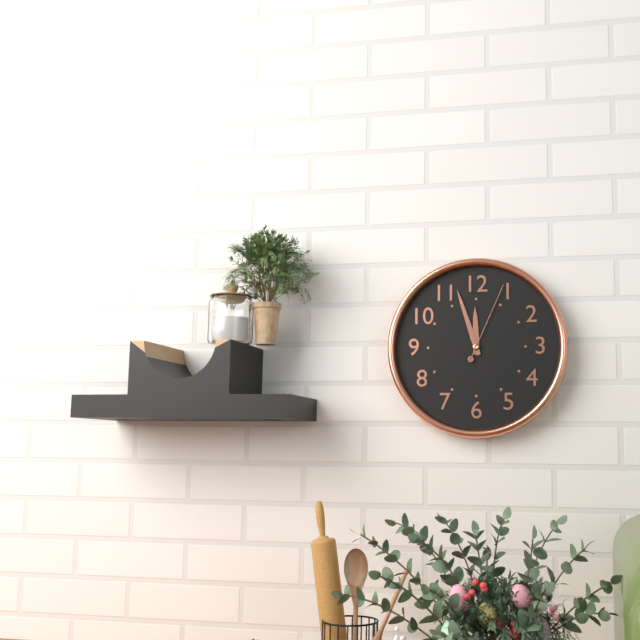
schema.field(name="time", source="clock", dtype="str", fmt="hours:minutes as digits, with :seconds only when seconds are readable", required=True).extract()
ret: 11:57:04
